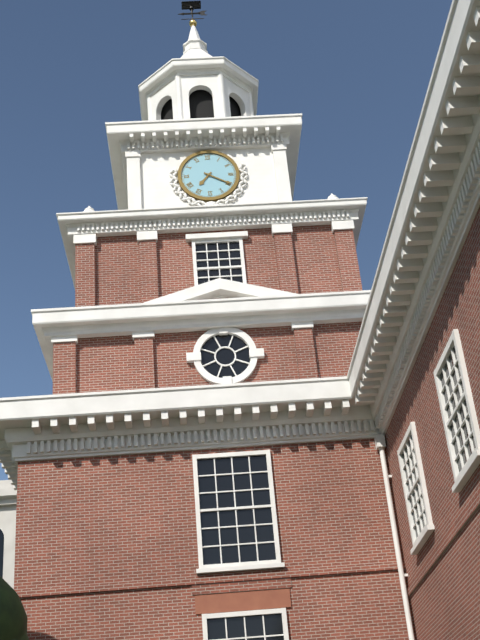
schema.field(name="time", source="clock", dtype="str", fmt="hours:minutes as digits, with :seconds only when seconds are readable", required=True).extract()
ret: 7:20
